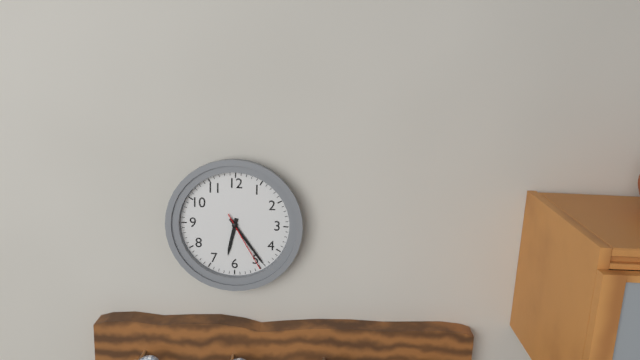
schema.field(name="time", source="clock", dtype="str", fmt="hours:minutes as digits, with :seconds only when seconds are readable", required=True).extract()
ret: 6:24:25
